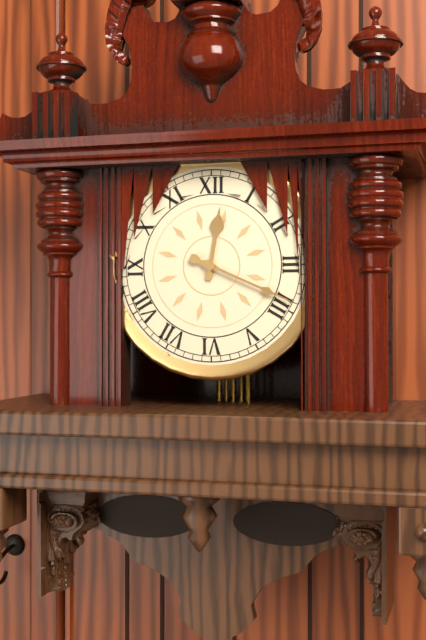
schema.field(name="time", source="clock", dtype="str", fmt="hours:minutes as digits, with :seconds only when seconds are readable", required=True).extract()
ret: 12:19
